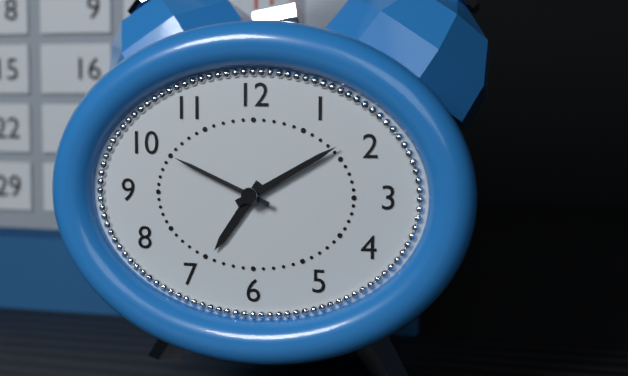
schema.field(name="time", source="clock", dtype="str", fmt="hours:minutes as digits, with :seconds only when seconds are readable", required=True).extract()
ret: 7:10:49
